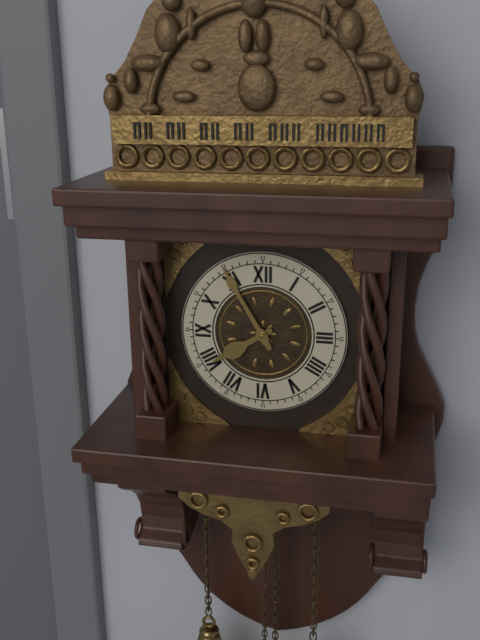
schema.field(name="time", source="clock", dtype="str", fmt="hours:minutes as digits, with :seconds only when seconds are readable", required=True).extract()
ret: 7:55
